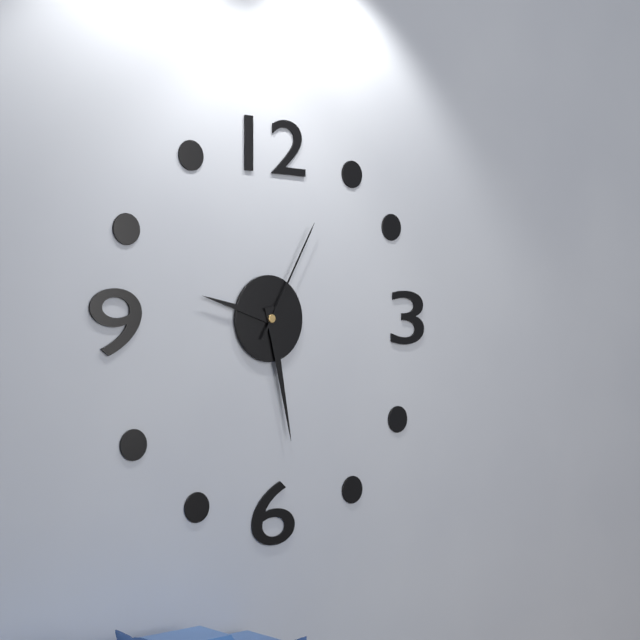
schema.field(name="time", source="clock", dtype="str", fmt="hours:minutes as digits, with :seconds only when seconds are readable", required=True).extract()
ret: 9:28:05
